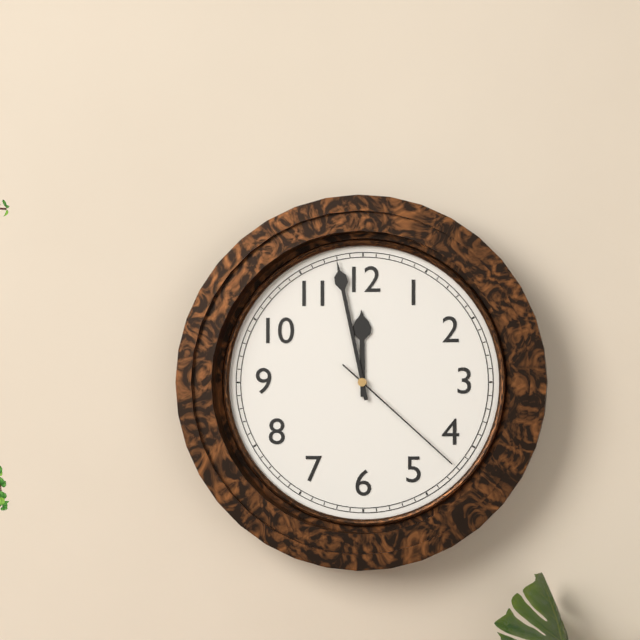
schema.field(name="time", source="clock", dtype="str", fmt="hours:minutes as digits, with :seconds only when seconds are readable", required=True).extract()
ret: 11:58:22
